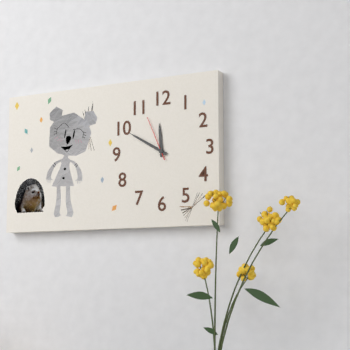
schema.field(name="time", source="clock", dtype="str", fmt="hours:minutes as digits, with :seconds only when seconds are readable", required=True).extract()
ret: 11:50
